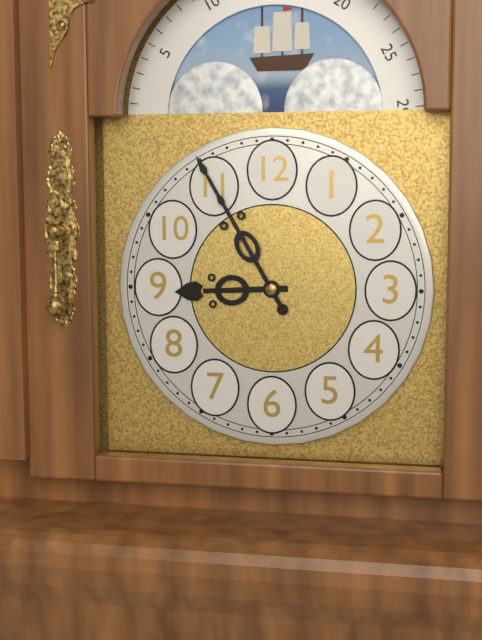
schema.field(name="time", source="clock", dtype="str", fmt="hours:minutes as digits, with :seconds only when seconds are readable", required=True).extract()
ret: 8:55
